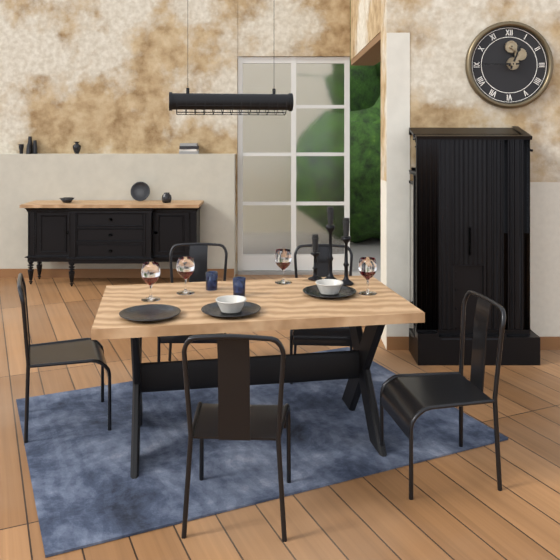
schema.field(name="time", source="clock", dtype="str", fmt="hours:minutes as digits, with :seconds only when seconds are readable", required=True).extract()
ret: 12:45
